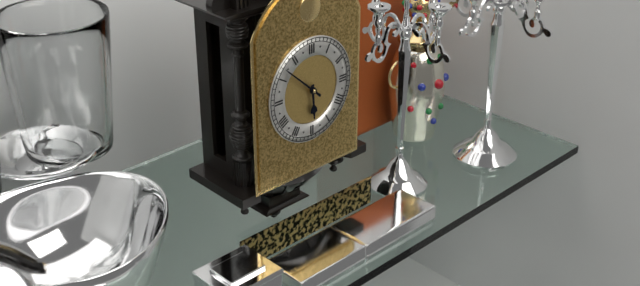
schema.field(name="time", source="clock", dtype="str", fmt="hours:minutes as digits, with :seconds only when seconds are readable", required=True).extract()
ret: 5:52
